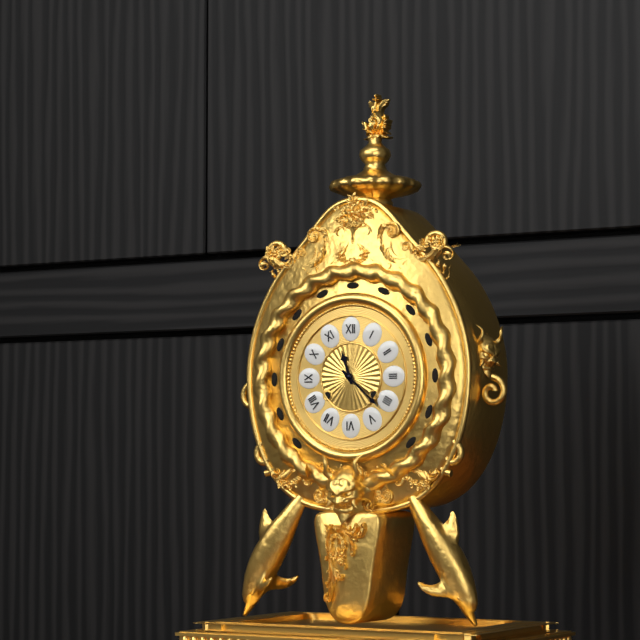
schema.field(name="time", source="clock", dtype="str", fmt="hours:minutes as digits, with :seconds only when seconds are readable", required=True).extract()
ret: 11:22
